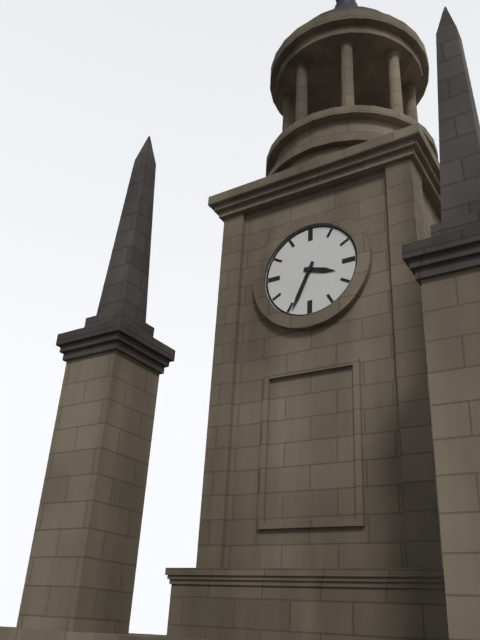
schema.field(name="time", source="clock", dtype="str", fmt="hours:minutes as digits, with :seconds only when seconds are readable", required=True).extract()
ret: 3:34
